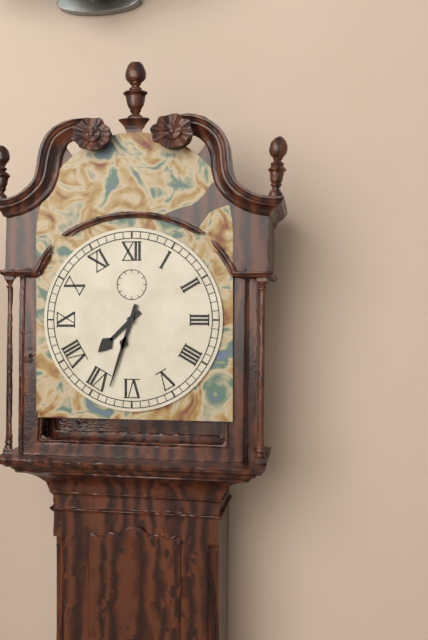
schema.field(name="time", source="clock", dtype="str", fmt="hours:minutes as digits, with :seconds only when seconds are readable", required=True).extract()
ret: 7:33
